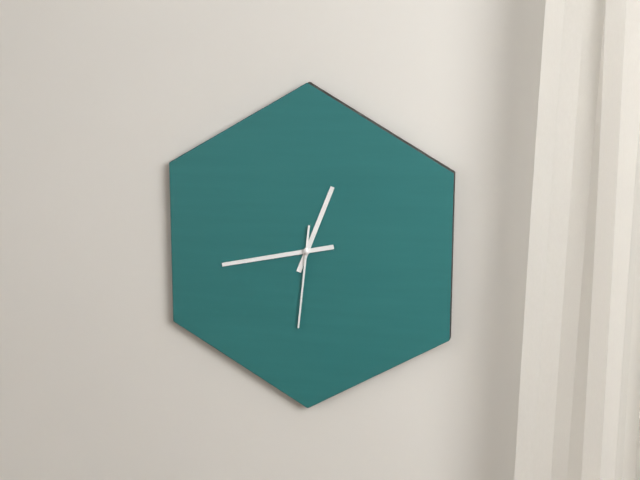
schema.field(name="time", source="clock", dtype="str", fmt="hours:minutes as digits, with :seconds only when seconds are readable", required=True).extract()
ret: 12:43:31
